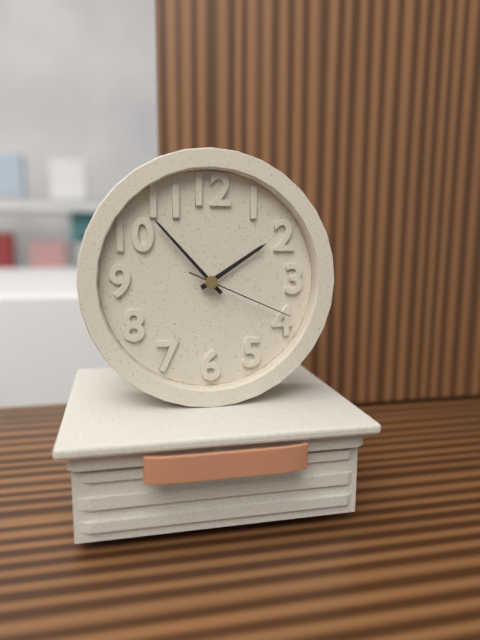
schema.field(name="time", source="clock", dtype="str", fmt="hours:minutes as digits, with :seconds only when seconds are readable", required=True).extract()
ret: 1:53:19
